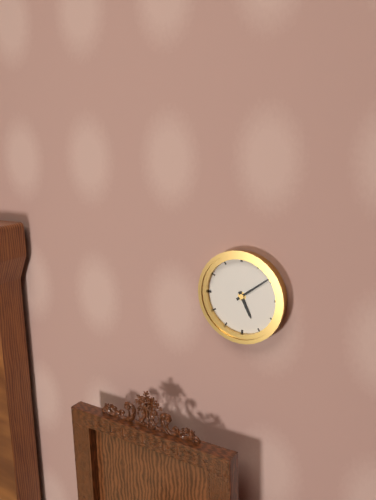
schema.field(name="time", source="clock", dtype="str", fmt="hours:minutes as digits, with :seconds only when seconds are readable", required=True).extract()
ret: 5:09
